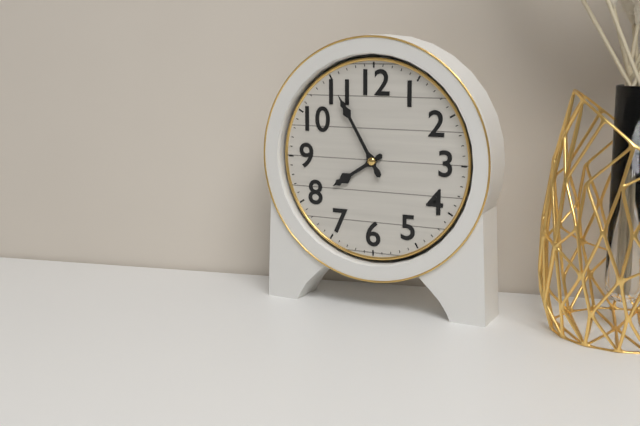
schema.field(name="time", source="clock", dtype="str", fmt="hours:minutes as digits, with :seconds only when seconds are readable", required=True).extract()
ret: 7:55
